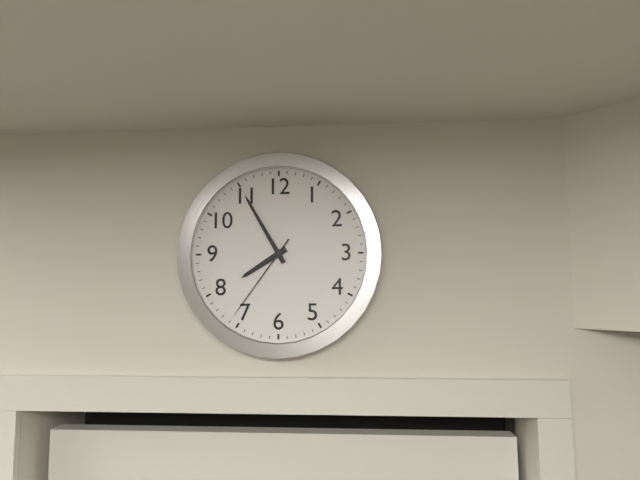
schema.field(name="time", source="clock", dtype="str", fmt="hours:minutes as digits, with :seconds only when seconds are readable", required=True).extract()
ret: 7:55:36
